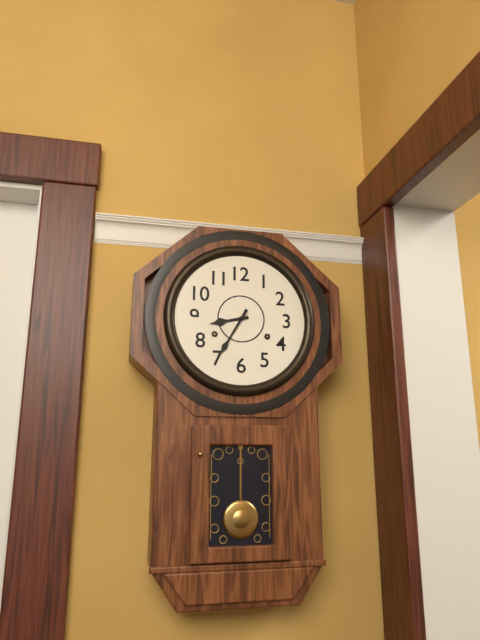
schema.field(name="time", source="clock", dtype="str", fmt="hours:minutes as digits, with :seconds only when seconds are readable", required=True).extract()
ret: 8:35
